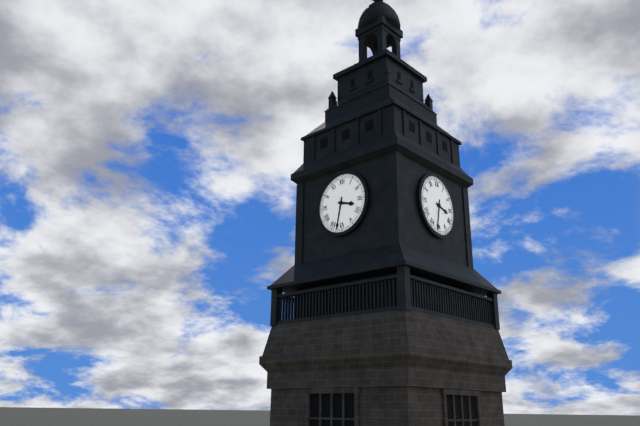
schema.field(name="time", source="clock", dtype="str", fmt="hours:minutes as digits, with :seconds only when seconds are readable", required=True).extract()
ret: 3:32
